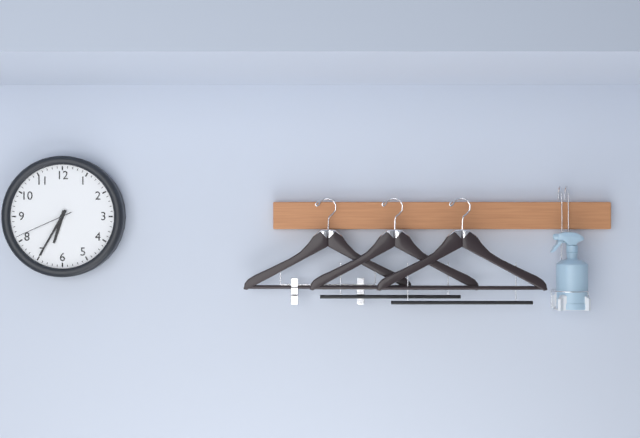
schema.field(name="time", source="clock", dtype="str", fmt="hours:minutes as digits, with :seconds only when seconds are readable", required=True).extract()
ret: 6:35:41
